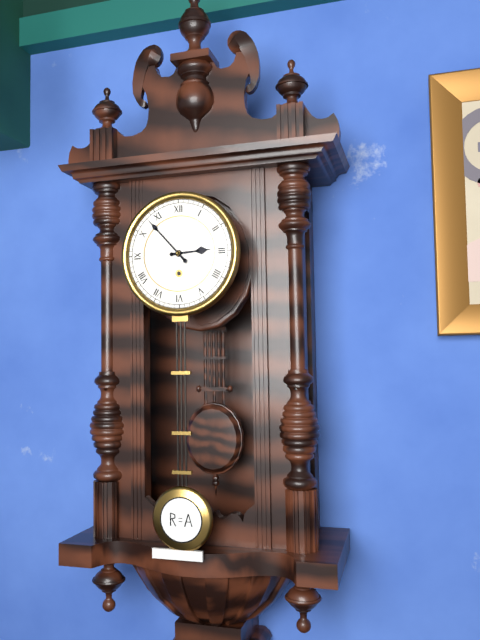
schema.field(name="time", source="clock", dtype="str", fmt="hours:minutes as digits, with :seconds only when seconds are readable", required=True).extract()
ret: 2:53
